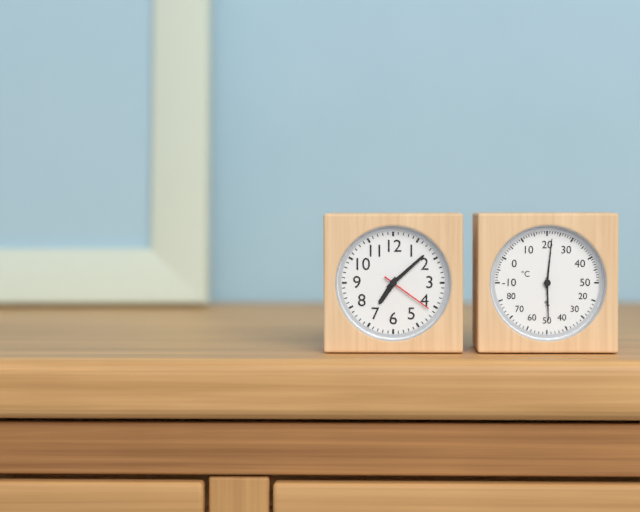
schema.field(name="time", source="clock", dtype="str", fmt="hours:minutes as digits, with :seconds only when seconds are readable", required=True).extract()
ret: 7:08:21
